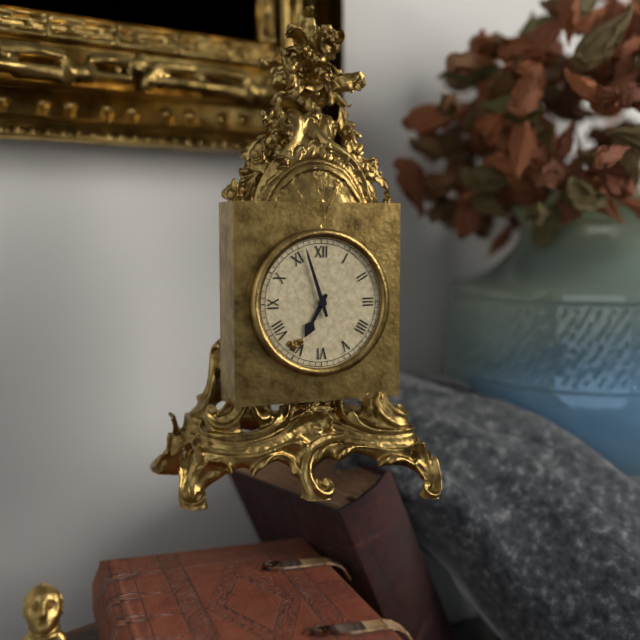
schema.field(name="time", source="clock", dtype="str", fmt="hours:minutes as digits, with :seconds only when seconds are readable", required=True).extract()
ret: 6:57
